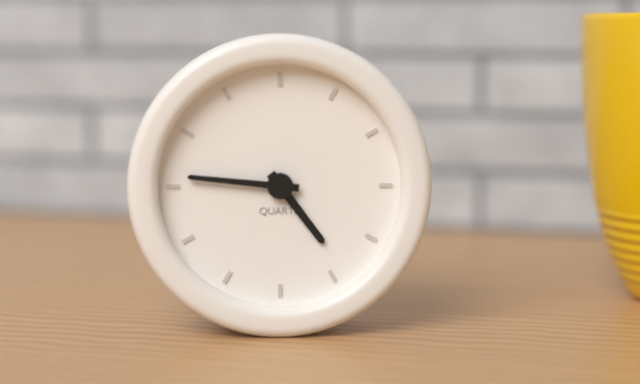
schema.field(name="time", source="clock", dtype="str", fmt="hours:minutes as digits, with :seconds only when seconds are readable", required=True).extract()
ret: 4:46
